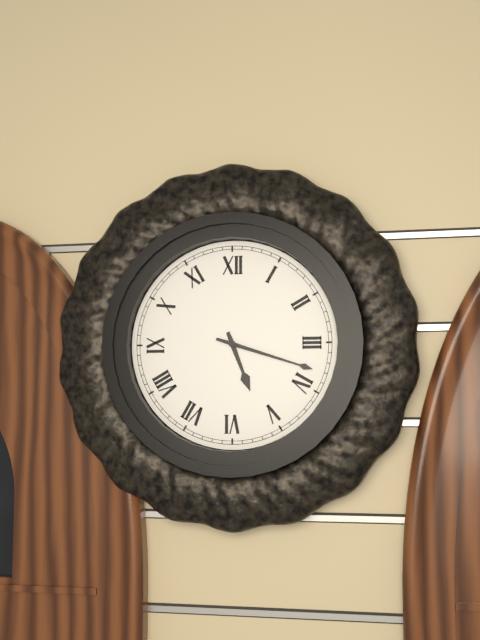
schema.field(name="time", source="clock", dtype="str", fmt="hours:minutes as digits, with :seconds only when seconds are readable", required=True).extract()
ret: 5:18
